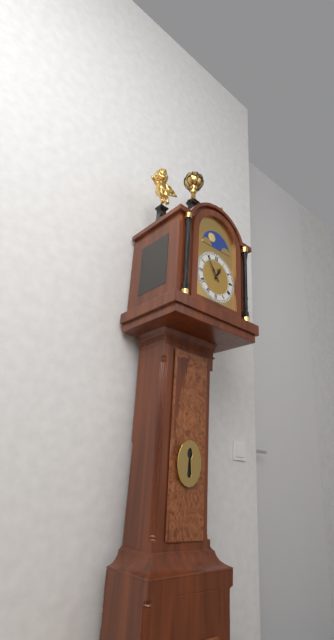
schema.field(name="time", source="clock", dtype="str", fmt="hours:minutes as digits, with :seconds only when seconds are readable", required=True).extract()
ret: 12:54
